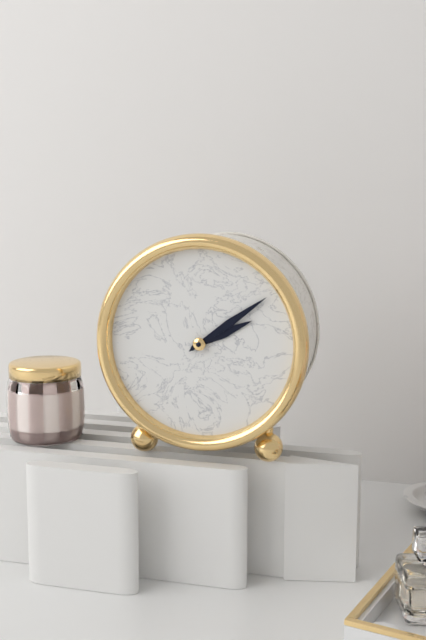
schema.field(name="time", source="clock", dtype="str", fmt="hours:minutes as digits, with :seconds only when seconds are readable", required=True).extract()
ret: 2:09
